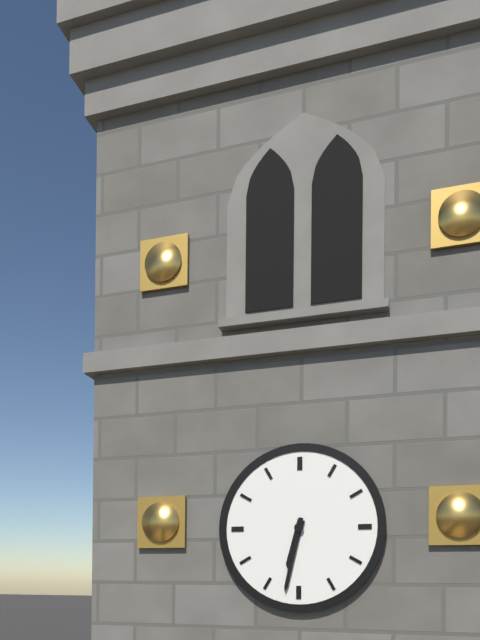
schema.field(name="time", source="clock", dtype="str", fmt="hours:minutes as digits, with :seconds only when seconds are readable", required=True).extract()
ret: 6:32
